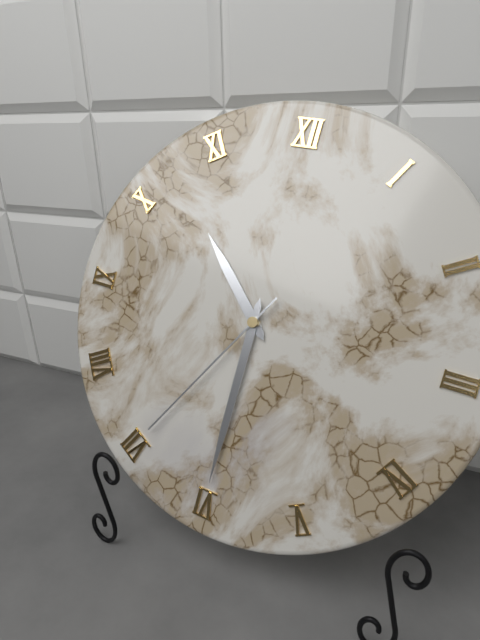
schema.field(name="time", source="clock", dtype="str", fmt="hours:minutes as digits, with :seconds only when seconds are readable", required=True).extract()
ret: 10:30:35
